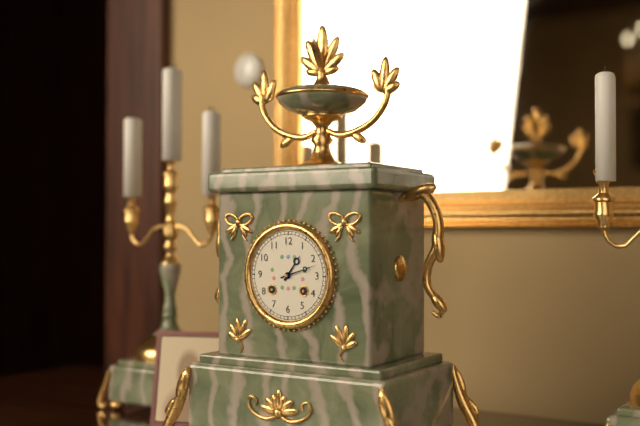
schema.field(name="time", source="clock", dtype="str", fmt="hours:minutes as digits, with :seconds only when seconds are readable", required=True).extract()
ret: 1:12
